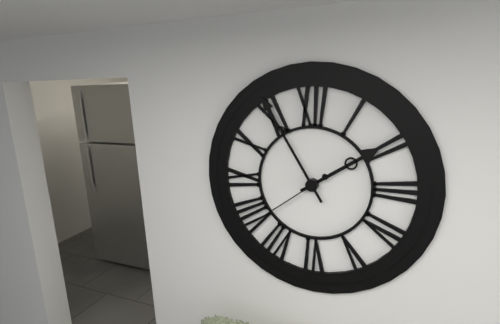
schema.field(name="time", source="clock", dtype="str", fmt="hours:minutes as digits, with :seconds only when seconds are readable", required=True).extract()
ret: 1:55:39
